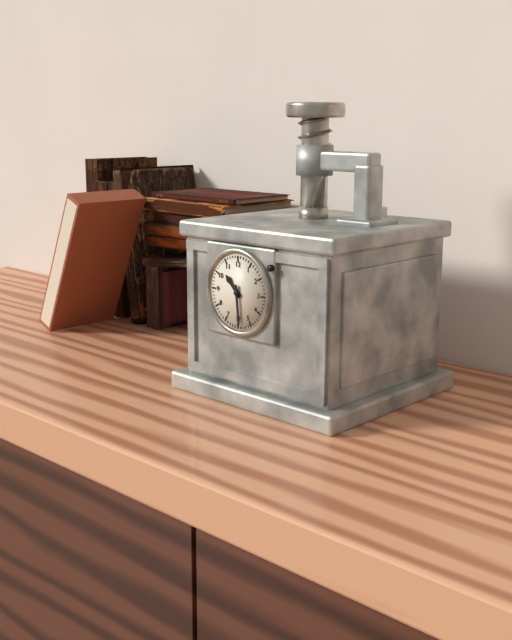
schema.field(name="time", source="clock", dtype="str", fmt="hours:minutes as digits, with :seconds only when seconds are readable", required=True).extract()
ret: 10:29
